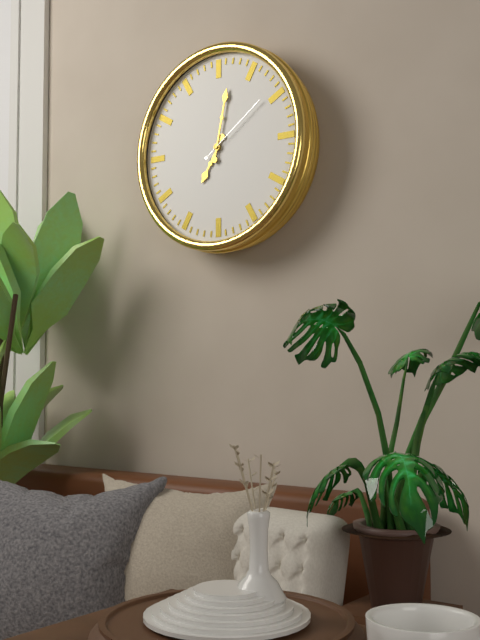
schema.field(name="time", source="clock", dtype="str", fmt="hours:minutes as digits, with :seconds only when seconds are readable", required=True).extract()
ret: 7:02:09
